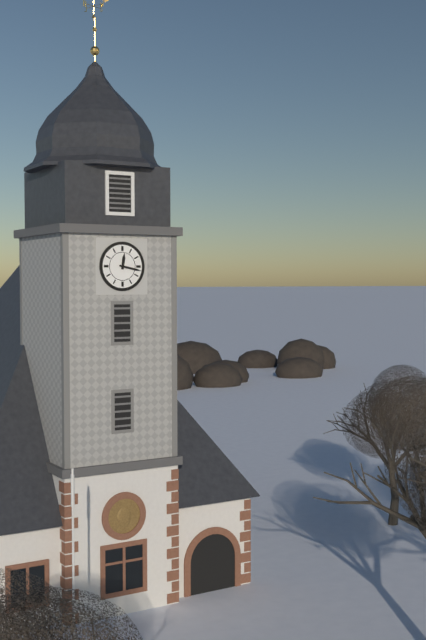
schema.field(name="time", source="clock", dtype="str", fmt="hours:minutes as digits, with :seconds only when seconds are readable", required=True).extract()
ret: 12:17
